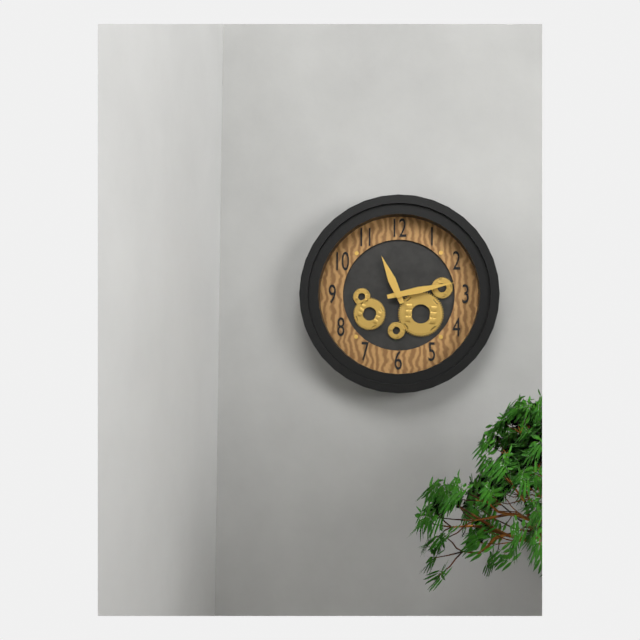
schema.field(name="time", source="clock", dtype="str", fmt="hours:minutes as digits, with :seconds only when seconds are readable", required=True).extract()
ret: 11:13
